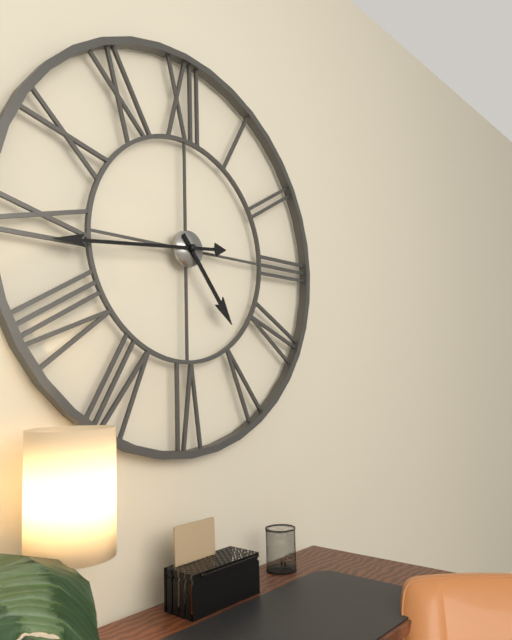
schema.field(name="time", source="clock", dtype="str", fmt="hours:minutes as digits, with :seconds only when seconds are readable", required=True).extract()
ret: 4:44
